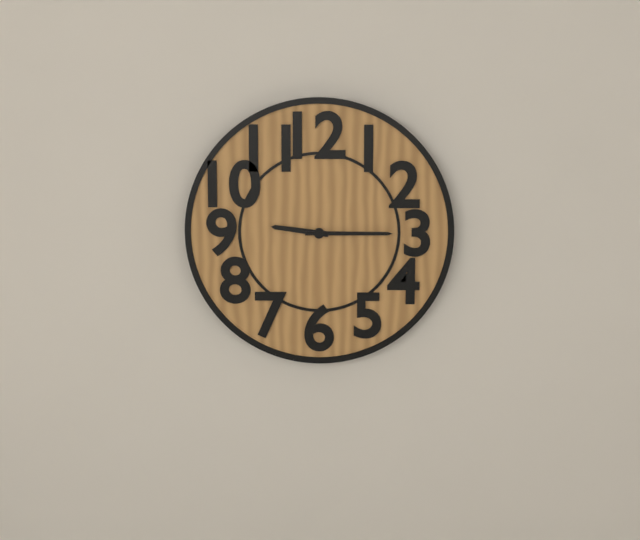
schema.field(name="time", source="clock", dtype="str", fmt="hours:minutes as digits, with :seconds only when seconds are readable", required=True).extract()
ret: 9:15
